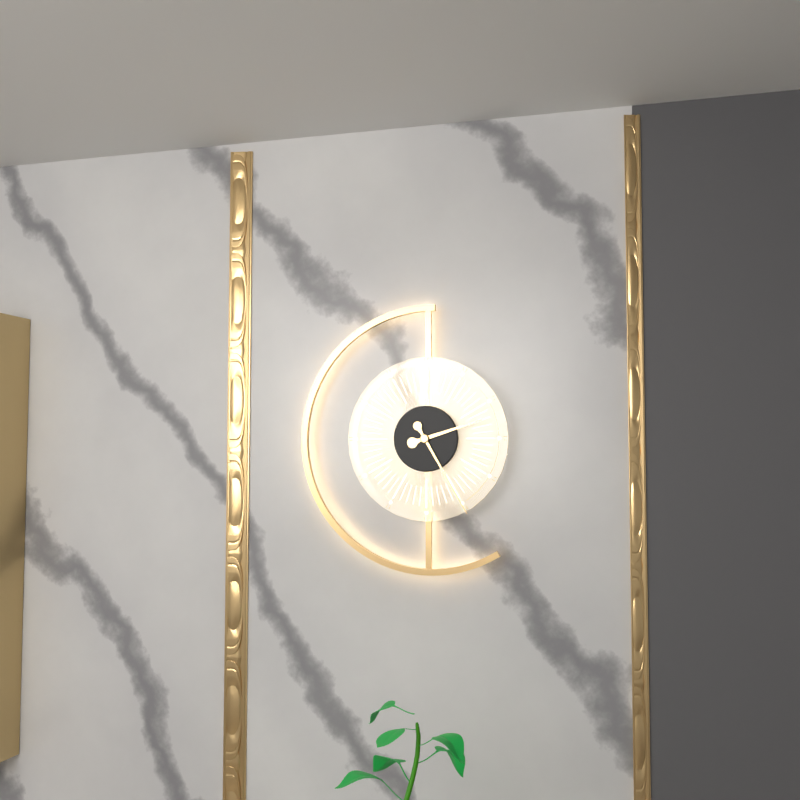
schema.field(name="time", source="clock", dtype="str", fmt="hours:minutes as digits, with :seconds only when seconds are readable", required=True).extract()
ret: 2:25
